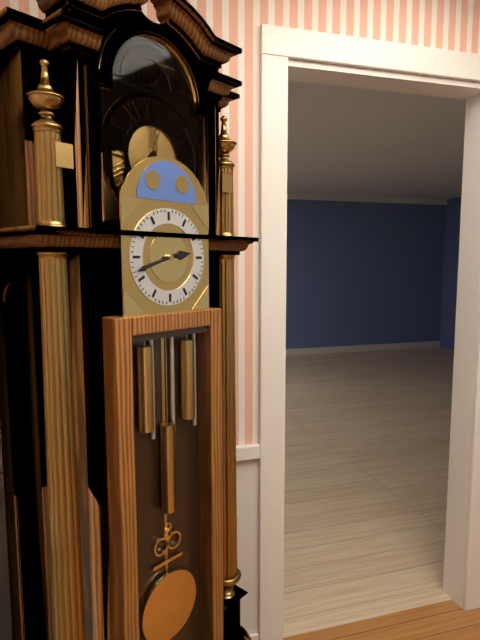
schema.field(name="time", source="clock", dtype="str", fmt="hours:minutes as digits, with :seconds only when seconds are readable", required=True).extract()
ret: 2:42
